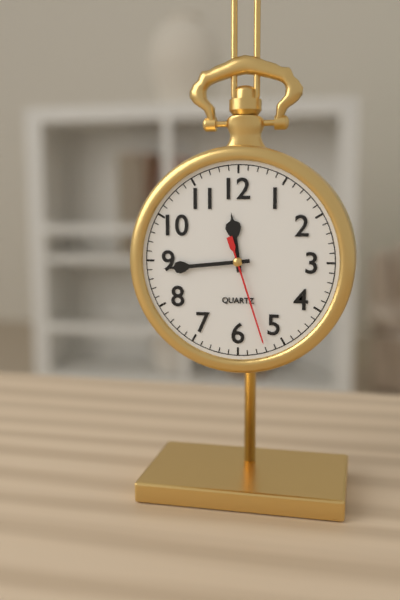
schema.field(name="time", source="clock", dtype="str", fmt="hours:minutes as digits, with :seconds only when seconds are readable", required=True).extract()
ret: 11:44:27
